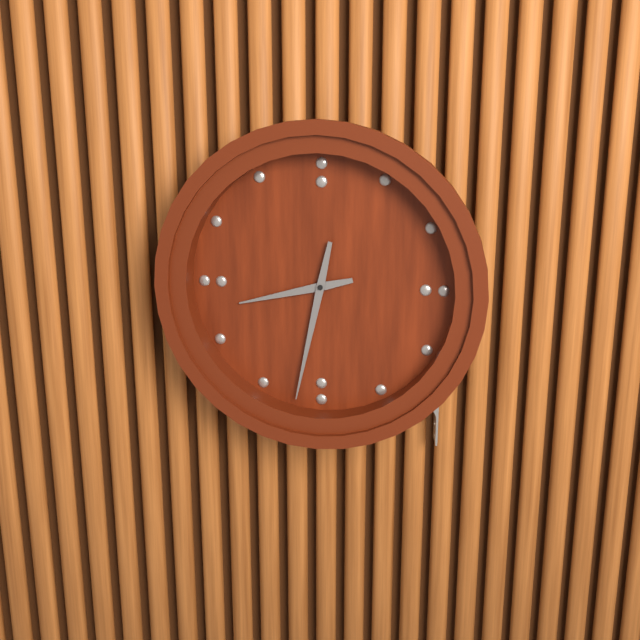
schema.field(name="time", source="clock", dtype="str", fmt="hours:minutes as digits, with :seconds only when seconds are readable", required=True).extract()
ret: 8:32
